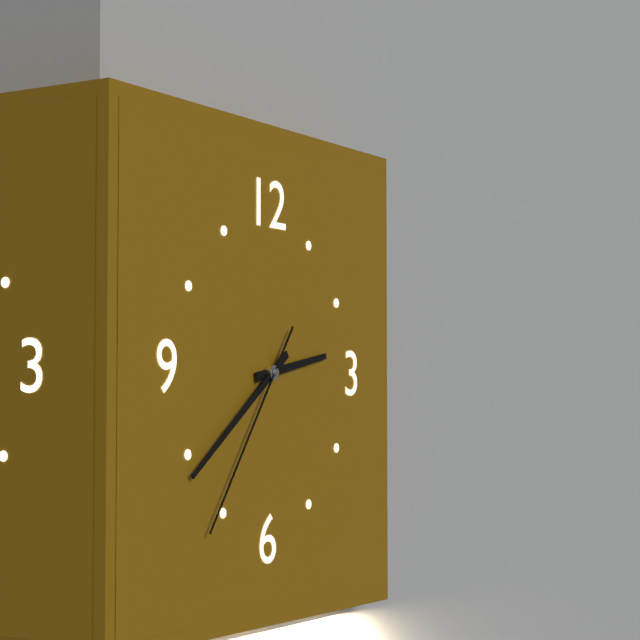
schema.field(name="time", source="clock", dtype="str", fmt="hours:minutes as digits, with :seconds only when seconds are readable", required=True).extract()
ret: 2:39:36
